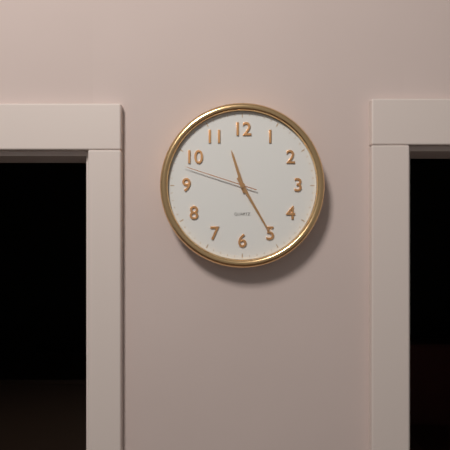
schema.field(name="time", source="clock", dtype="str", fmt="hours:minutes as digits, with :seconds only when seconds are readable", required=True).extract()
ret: 11:25:48
